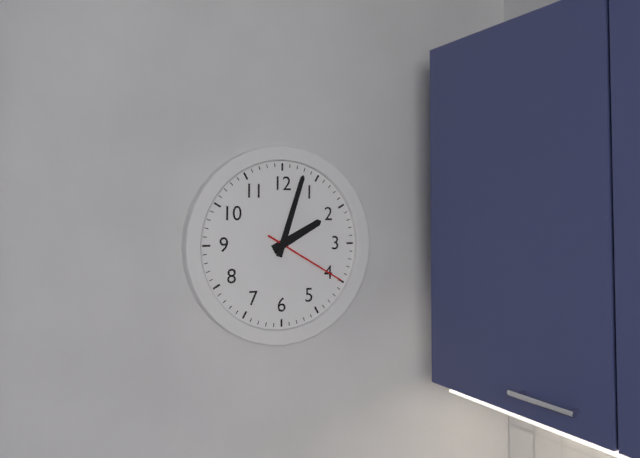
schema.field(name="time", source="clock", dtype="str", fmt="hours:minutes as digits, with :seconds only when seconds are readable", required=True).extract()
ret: 2:03:20
